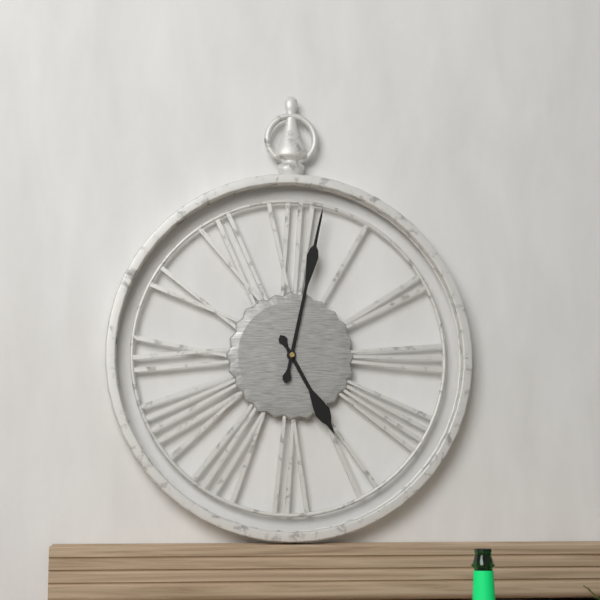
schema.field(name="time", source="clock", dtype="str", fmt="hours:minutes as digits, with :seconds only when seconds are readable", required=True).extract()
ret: 5:02
